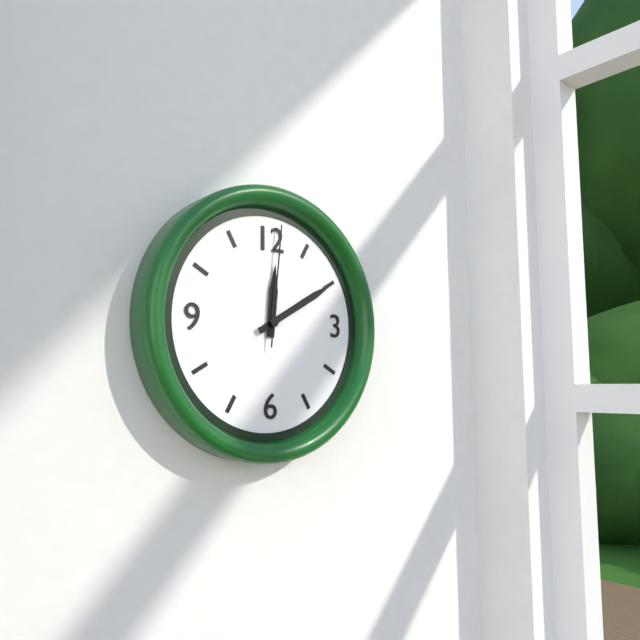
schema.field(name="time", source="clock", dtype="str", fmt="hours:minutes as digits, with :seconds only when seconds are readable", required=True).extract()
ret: 12:10:01
